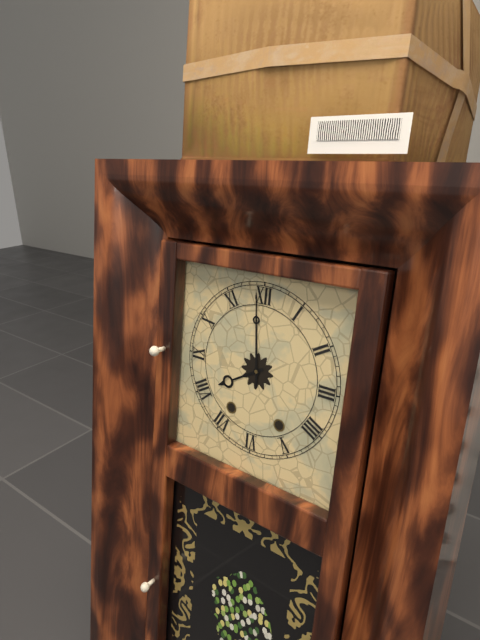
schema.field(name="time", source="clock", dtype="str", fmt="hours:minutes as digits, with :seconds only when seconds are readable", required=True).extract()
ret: 7:59
